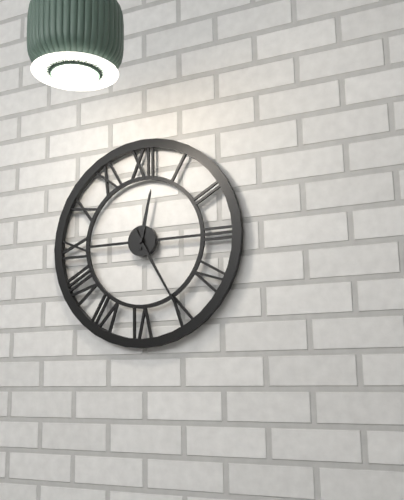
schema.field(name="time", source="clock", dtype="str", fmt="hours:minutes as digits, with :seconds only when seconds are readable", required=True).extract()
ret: 12:25
